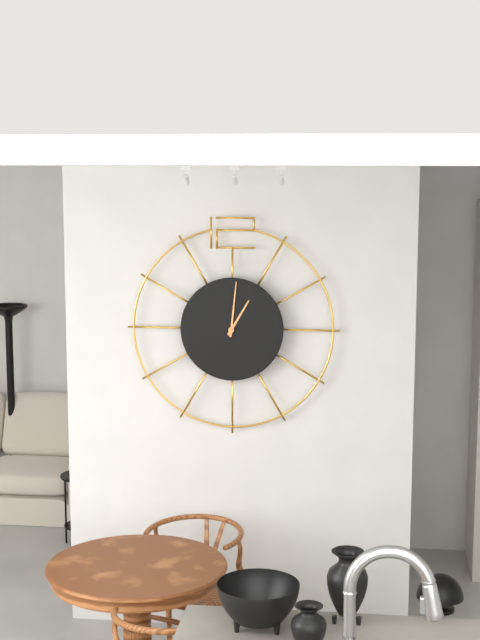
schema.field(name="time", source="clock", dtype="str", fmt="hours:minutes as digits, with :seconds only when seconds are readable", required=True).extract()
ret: 1:01
